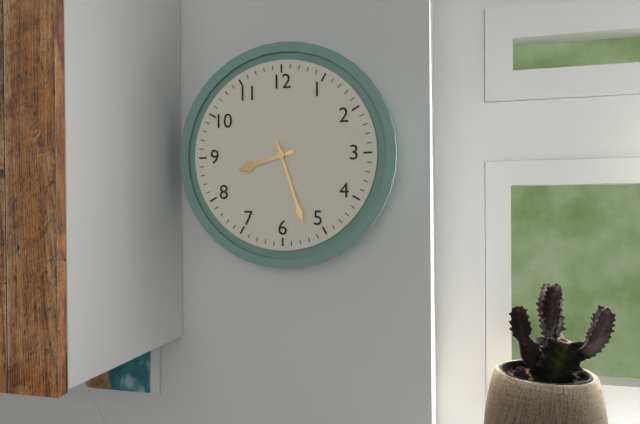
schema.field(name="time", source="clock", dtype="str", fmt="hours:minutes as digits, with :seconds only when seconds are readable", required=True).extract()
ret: 8:27
